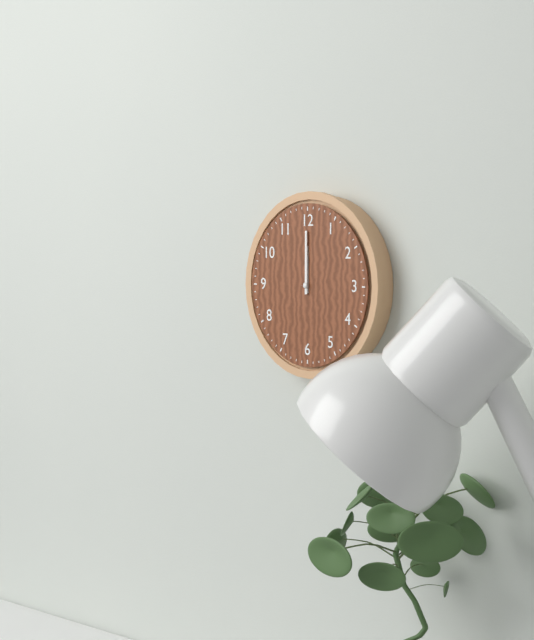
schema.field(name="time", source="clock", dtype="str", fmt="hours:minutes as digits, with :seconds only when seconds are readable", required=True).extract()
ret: 12:00
